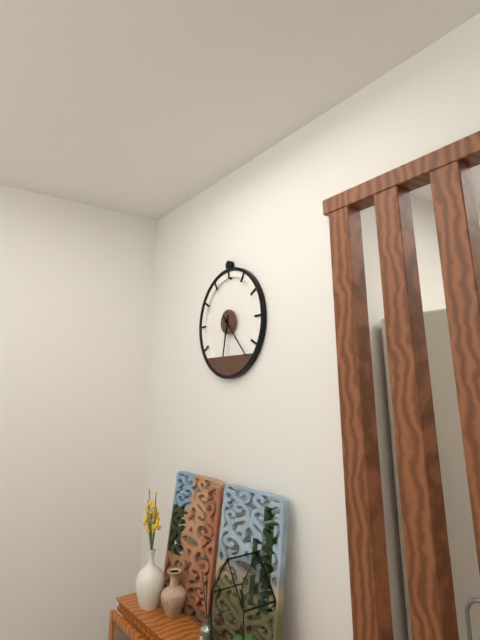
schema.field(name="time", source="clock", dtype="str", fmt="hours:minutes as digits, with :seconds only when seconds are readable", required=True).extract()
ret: 6:23
